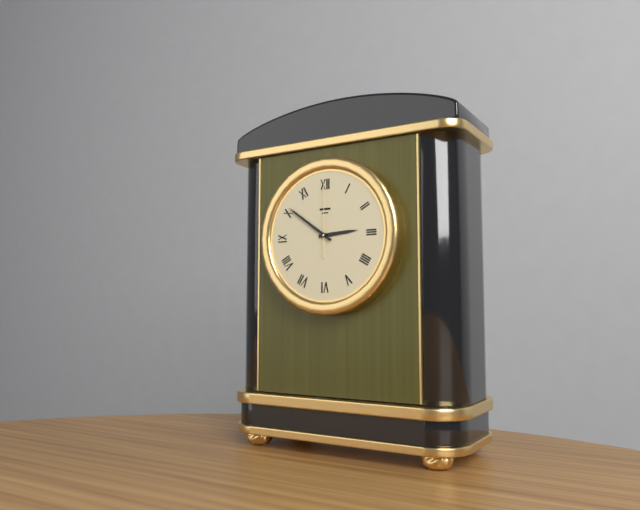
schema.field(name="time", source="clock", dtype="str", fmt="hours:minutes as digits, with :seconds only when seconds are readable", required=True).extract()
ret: 2:51:00
